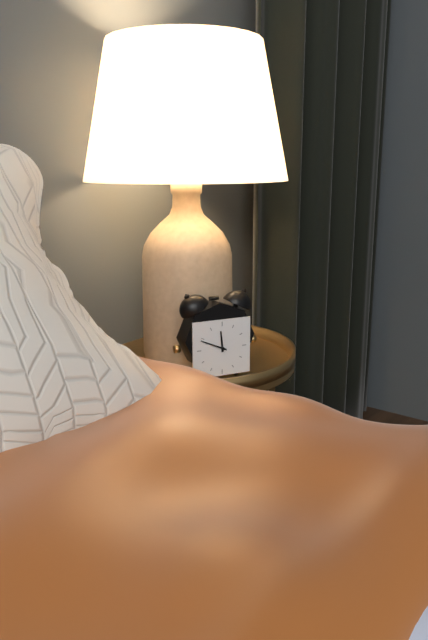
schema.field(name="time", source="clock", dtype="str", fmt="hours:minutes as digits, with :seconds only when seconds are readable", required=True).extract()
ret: 11:49
